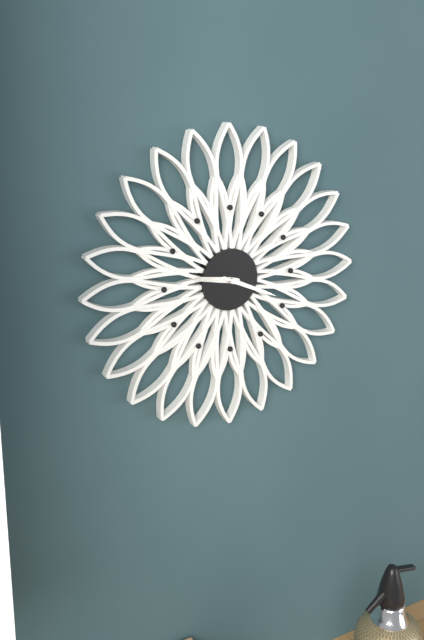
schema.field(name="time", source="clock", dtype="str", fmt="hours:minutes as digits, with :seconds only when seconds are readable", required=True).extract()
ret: 9:19
